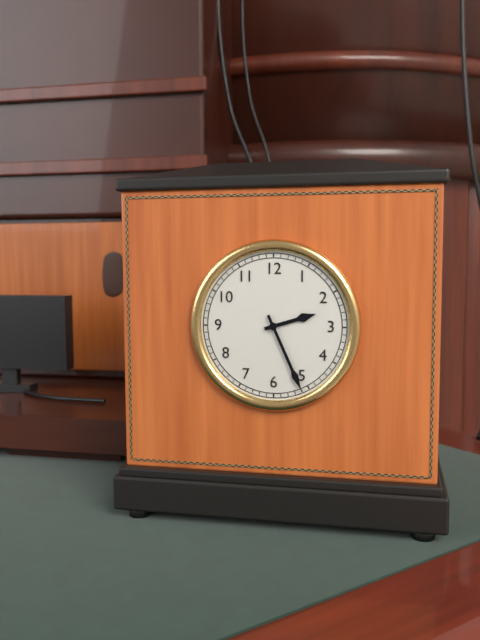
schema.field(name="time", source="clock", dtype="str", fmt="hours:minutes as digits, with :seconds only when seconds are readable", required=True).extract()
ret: 2:26
